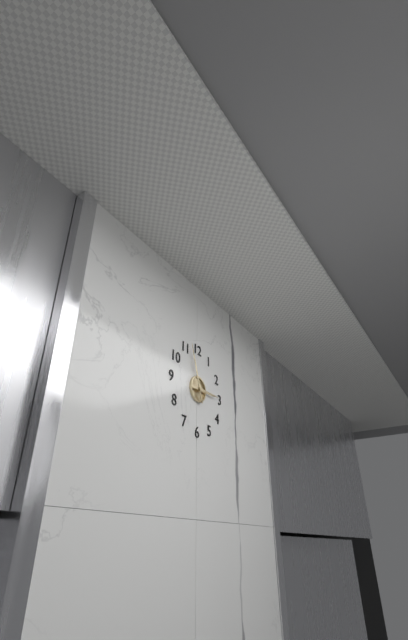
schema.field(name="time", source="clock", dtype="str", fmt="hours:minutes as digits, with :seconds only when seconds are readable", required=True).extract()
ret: 2:57
